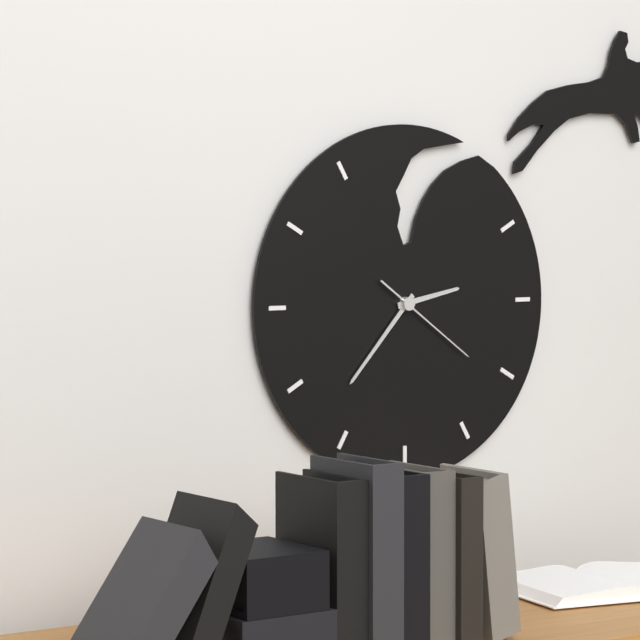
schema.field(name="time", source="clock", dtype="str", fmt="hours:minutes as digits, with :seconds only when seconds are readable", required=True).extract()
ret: 2:37:21
